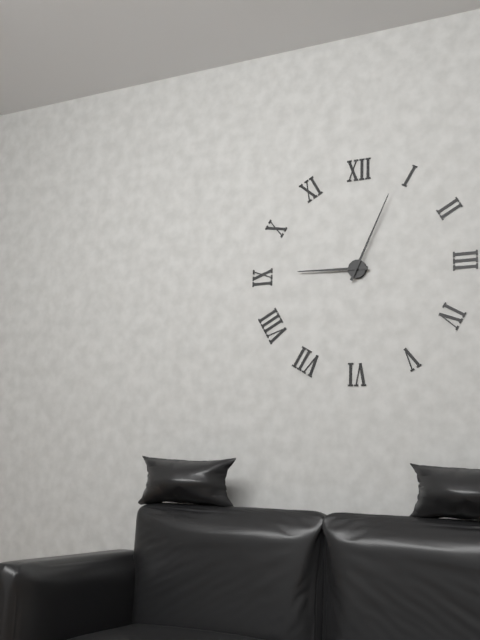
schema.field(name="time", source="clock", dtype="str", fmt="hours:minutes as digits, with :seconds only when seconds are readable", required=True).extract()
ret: 9:04
